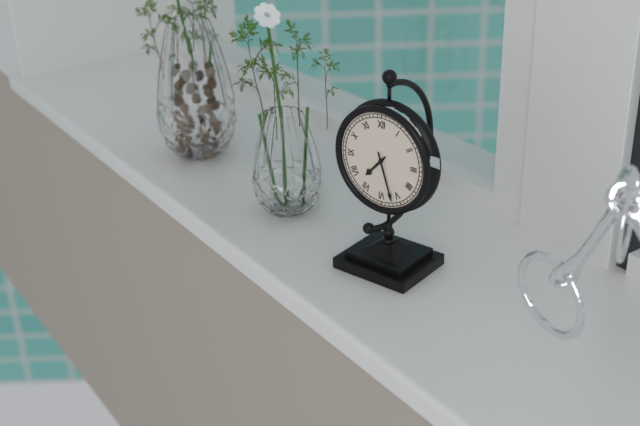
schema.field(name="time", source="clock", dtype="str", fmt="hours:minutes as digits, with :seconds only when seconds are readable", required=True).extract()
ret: 7:27
